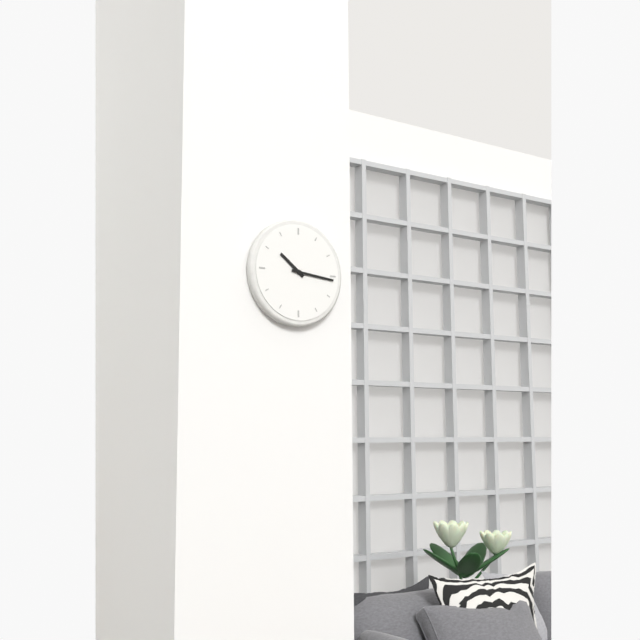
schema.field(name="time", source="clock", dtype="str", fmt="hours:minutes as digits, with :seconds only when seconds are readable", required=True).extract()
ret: 10:16
